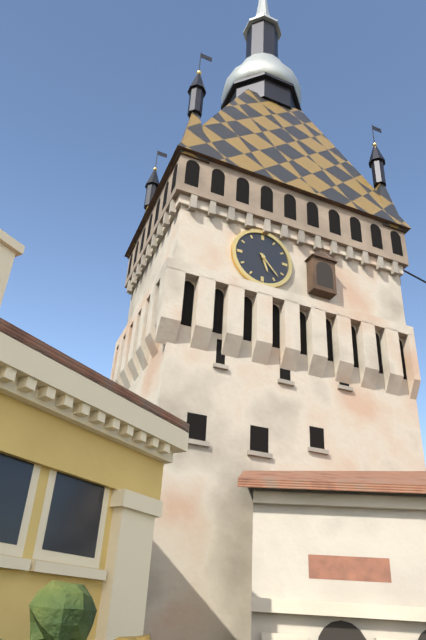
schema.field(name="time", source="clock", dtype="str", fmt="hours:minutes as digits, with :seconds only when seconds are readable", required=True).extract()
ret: 5:23
